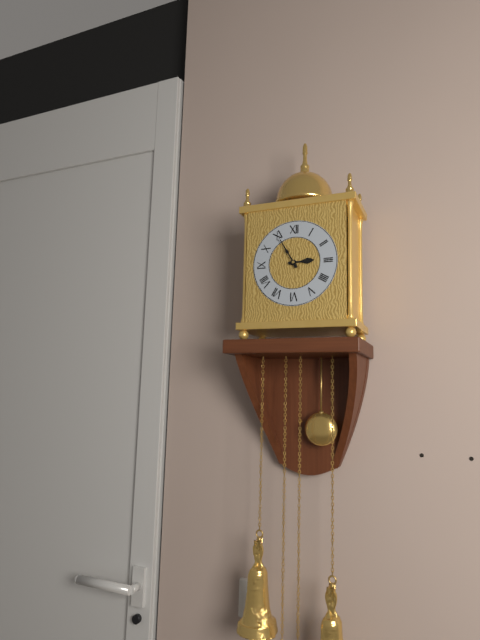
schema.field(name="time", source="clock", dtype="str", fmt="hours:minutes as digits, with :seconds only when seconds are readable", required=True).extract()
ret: 2:55
